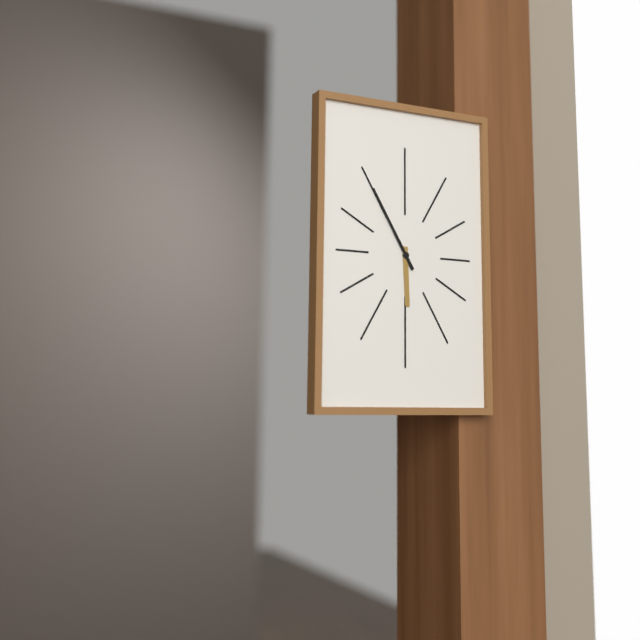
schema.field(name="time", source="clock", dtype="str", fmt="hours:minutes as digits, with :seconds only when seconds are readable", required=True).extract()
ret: 5:55
